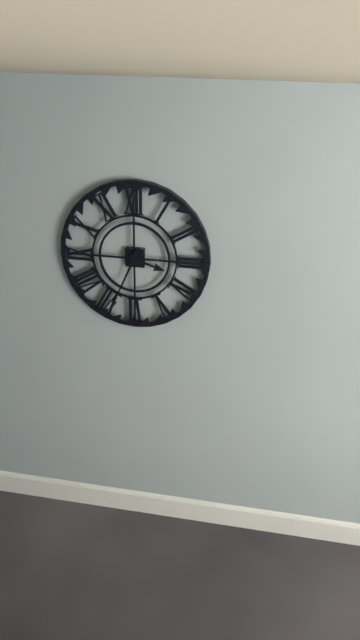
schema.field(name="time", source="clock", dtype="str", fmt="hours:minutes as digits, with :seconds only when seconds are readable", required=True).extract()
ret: 3:34
